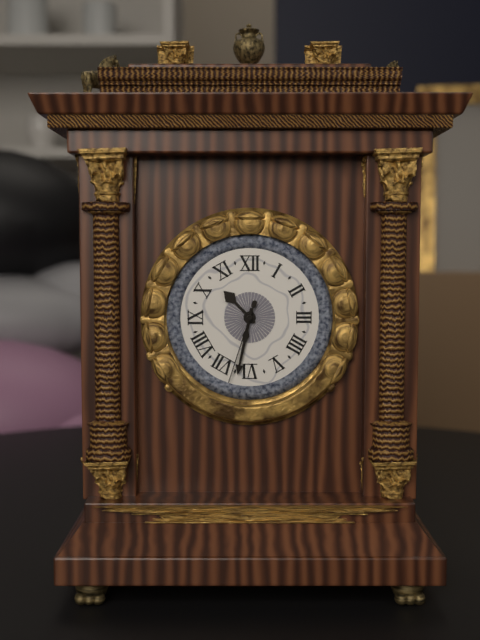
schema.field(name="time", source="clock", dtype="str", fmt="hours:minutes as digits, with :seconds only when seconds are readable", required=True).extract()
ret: 10:32:33
